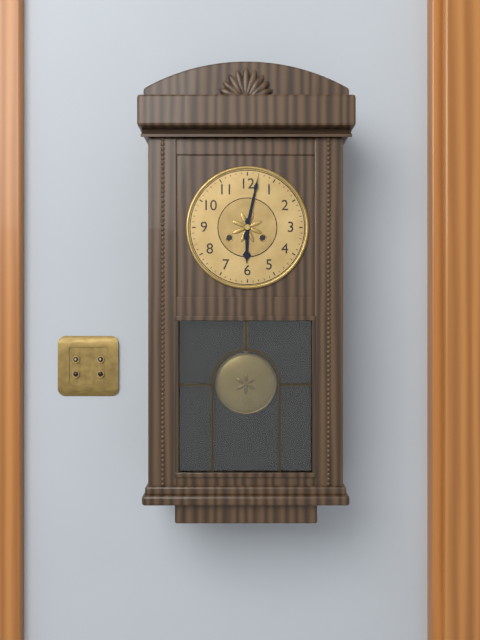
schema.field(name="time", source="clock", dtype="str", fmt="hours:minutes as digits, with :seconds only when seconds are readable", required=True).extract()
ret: 6:02
